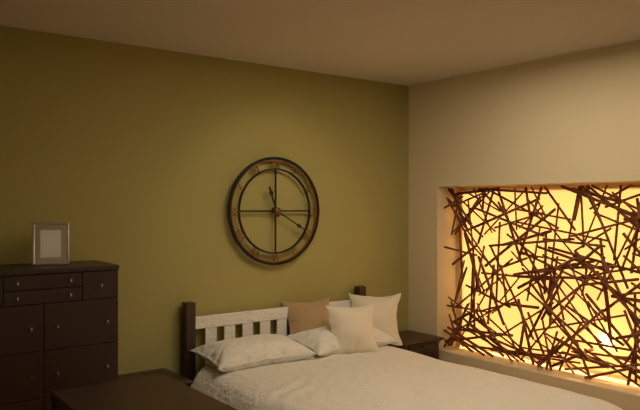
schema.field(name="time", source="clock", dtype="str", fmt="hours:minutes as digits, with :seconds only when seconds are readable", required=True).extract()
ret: 11:20
